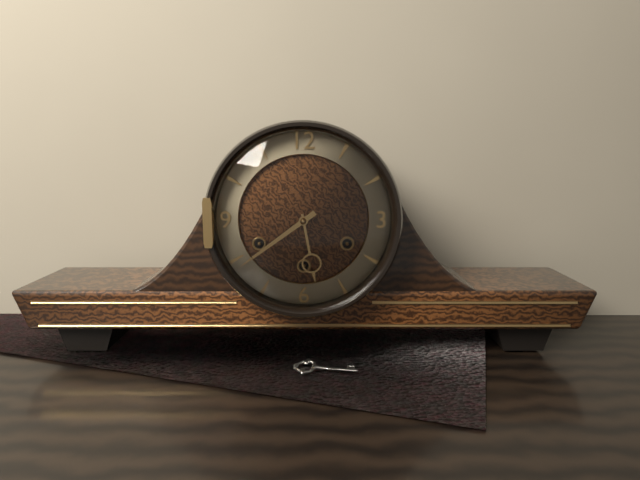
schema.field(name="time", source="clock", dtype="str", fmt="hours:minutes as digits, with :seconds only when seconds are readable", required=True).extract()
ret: 5:39
